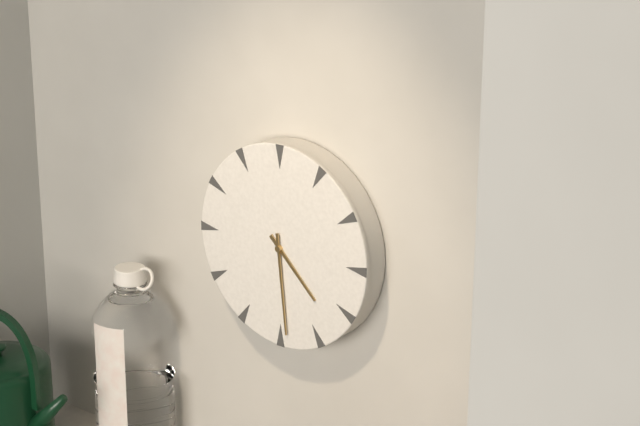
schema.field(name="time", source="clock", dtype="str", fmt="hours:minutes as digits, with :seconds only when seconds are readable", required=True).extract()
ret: 4:29
